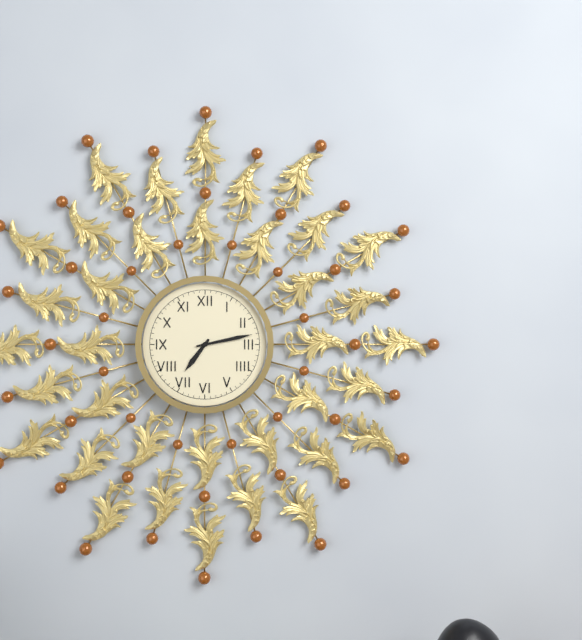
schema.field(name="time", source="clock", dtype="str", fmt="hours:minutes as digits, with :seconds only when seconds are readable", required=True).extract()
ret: 7:13
